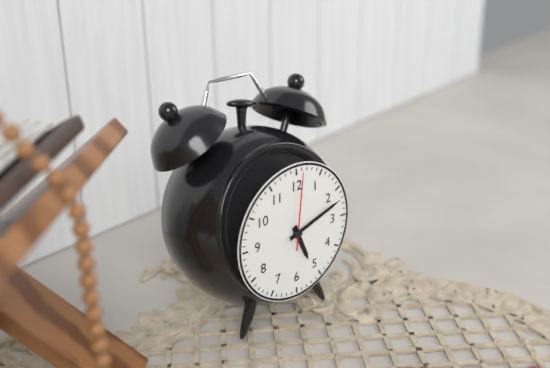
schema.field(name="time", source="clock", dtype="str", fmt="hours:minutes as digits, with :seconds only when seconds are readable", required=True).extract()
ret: 5:12:01
